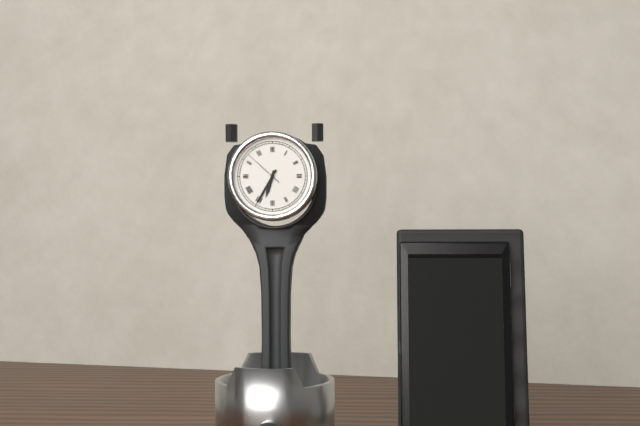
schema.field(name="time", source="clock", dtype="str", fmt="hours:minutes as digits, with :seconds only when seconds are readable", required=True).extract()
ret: 6:35
